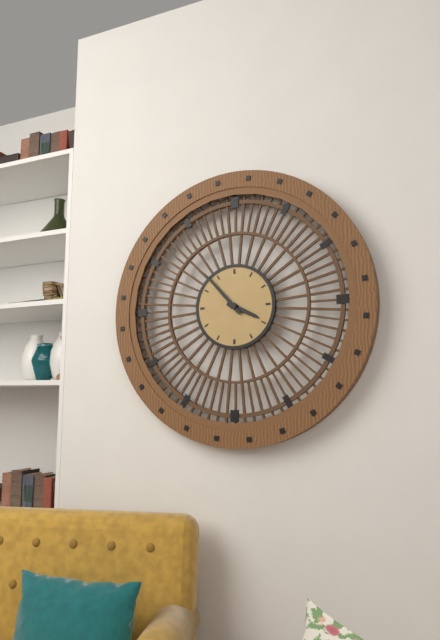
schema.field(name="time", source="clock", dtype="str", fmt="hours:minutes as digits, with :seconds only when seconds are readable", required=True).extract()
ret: 3:53
